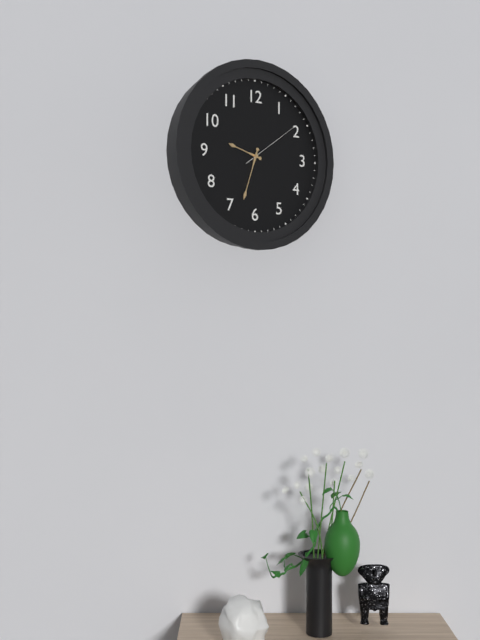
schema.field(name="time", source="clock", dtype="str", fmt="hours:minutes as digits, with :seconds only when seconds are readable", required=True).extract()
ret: 9:33:09
